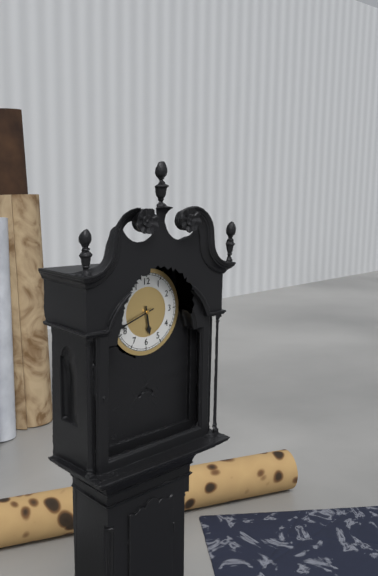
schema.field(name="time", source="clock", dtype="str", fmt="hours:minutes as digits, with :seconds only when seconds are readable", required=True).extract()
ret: 5:42
